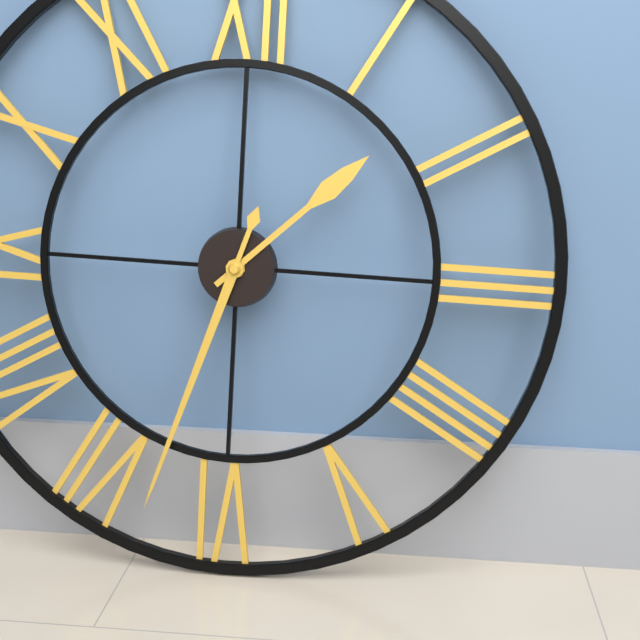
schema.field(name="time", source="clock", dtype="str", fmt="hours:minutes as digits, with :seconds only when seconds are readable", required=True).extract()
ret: 1:33
